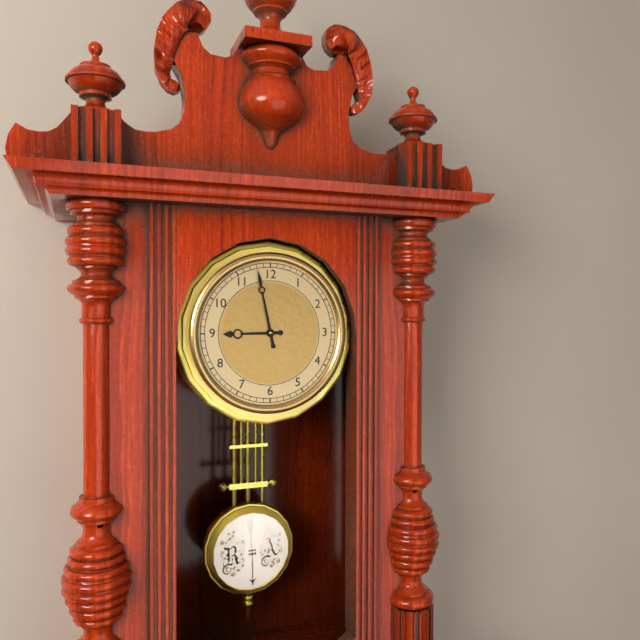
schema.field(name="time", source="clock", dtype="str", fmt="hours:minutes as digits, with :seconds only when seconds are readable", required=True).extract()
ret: 8:58
